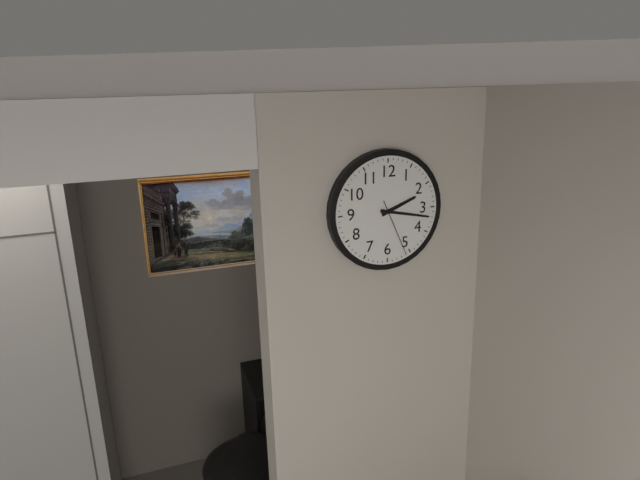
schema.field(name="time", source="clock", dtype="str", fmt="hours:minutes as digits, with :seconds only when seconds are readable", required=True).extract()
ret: 2:17:26
